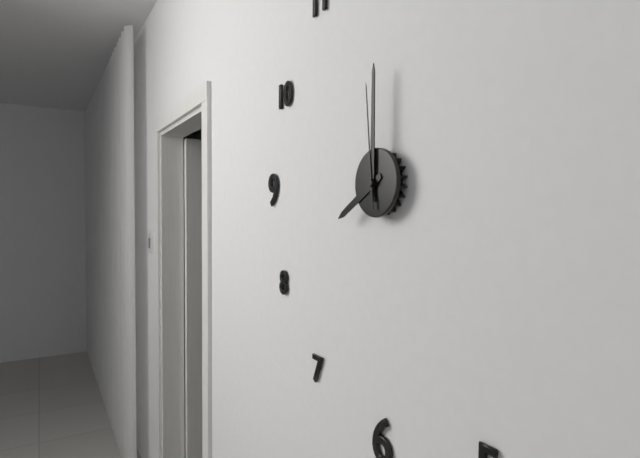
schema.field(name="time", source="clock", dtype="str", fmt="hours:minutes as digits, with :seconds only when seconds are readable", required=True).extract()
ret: 8:00:59
